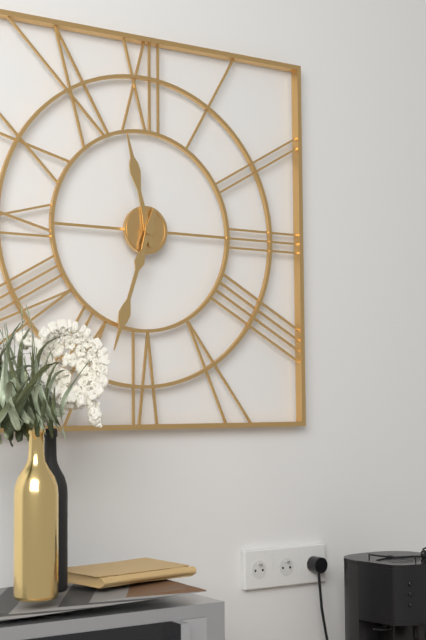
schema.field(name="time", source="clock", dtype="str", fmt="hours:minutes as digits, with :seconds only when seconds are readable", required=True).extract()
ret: 11:33
